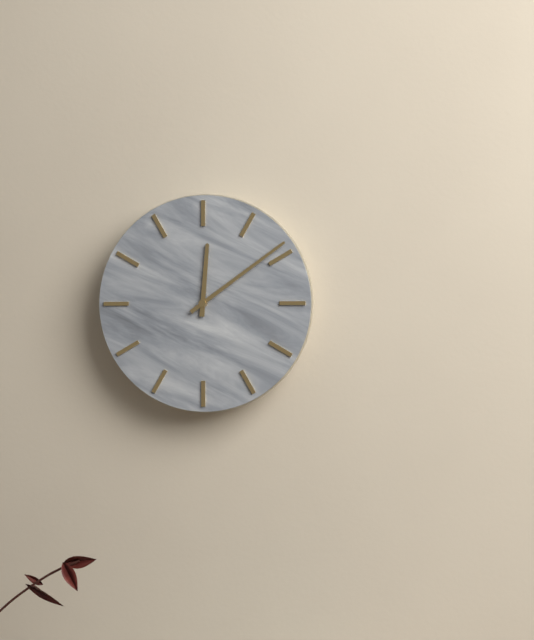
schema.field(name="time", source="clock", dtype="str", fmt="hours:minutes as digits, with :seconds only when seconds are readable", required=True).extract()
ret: 12:09
